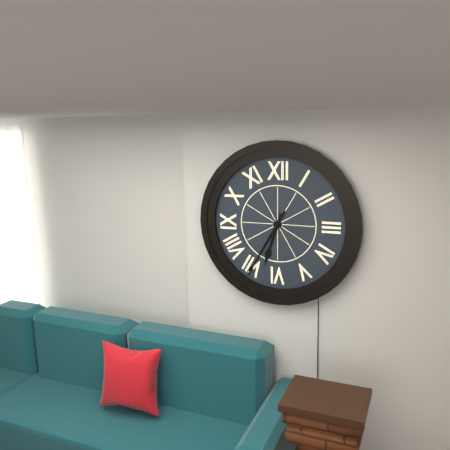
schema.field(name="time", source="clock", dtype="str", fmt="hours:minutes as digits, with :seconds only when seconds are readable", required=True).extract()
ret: 6:35
